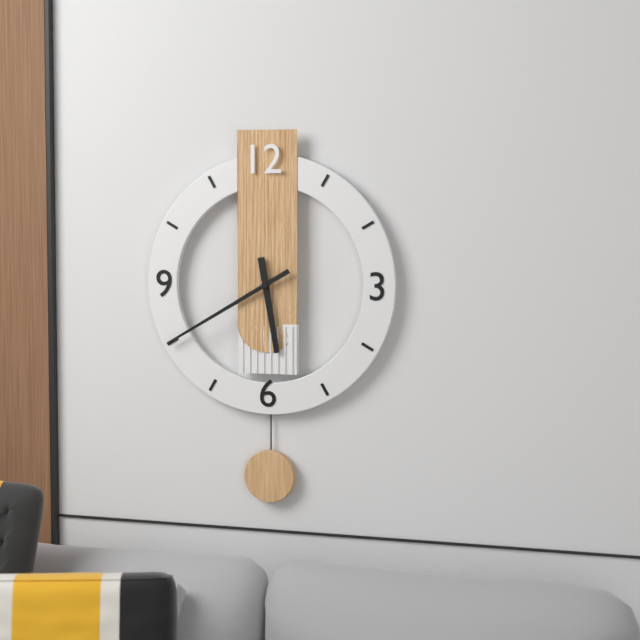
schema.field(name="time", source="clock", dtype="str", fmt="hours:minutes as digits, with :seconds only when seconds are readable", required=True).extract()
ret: 5:40
